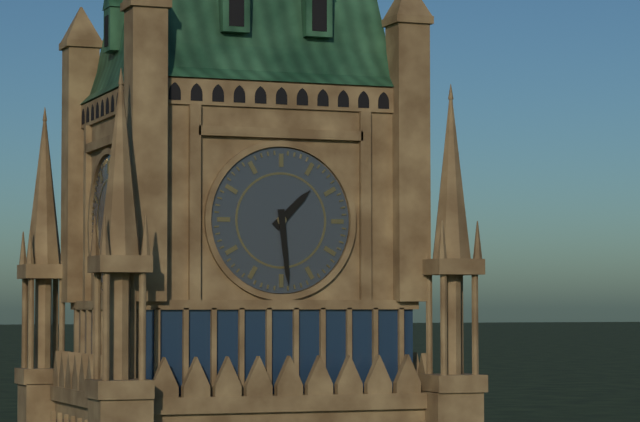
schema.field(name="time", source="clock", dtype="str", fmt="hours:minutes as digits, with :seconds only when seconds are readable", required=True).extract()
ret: 1:29
